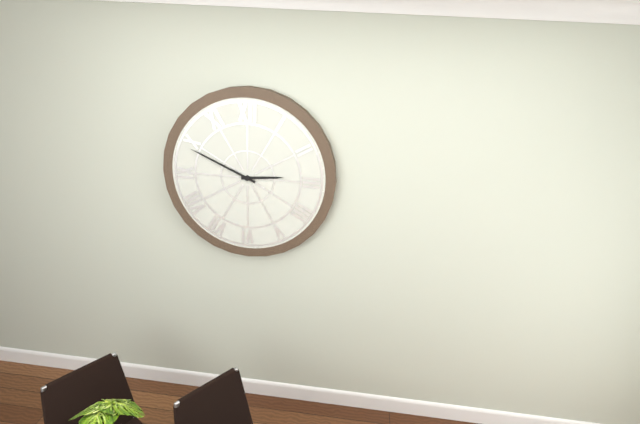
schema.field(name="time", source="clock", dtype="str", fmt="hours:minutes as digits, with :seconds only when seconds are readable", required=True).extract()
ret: 2:49
